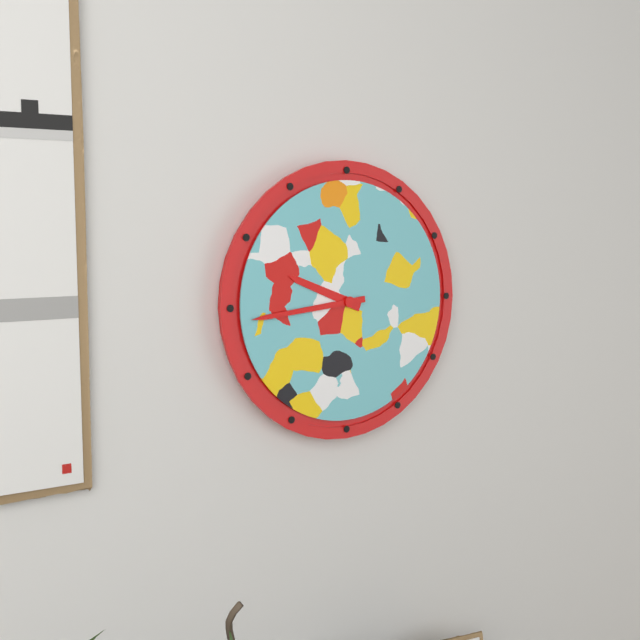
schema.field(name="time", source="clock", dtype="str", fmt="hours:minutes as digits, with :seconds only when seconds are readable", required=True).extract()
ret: 9:44
